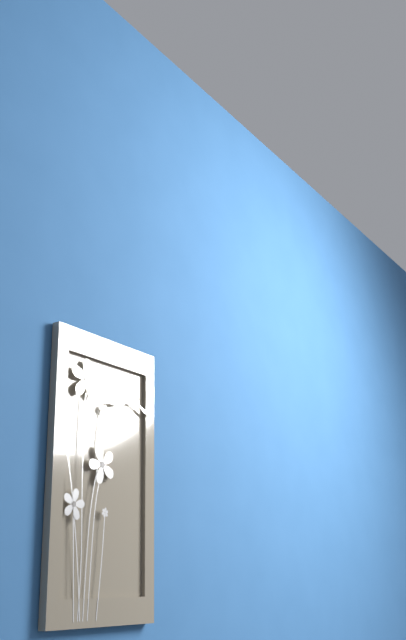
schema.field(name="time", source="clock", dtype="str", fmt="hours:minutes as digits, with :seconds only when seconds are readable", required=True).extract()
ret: 3:43
